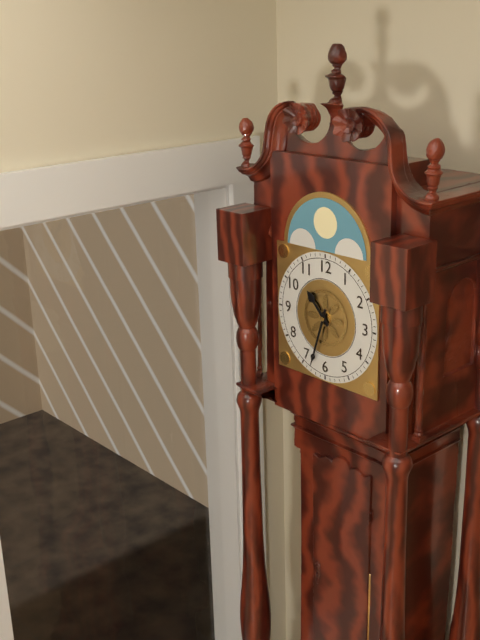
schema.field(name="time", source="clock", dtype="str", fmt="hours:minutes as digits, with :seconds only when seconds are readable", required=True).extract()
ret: 10:33
